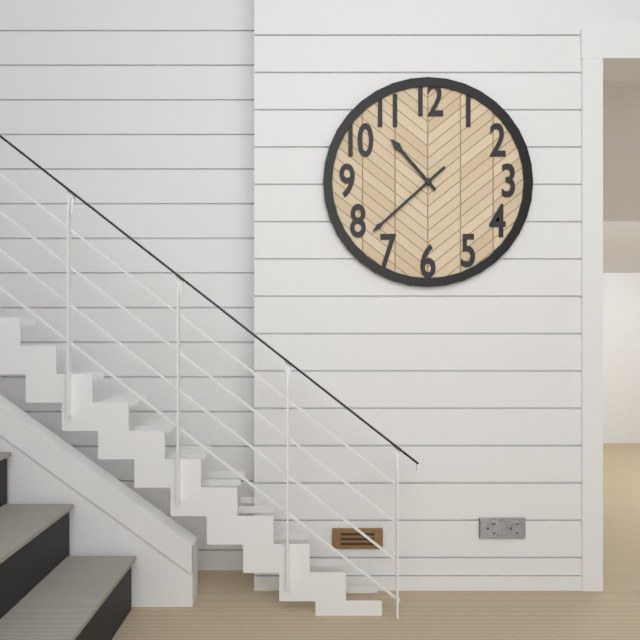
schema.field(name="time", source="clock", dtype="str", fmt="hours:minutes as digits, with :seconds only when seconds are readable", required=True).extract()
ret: 10:38
